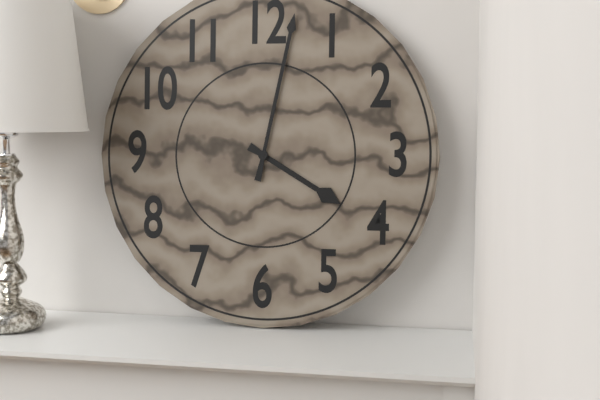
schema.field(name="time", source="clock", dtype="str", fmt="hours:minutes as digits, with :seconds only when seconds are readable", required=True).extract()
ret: 4:02
